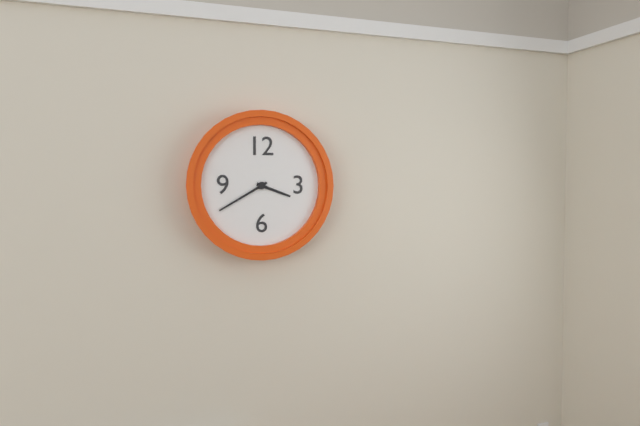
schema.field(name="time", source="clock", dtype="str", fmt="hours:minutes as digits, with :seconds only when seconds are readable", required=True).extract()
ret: 3:40
